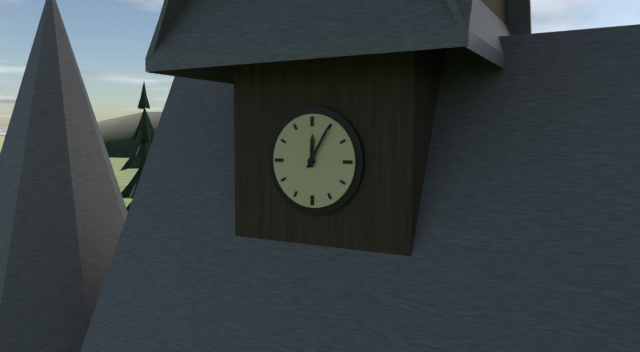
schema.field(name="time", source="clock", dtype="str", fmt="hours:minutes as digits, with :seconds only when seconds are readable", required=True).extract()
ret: 12:05
